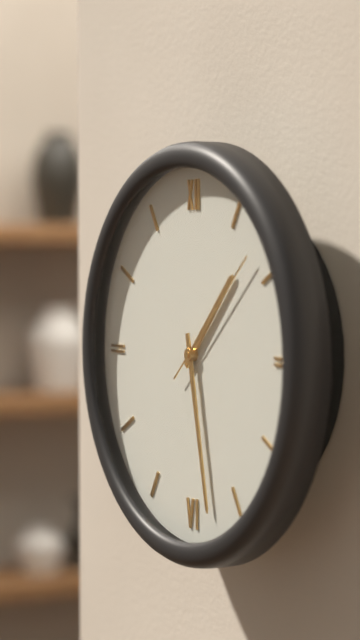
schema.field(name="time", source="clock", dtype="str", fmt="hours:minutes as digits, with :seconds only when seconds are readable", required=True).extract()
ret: 1:28:08
